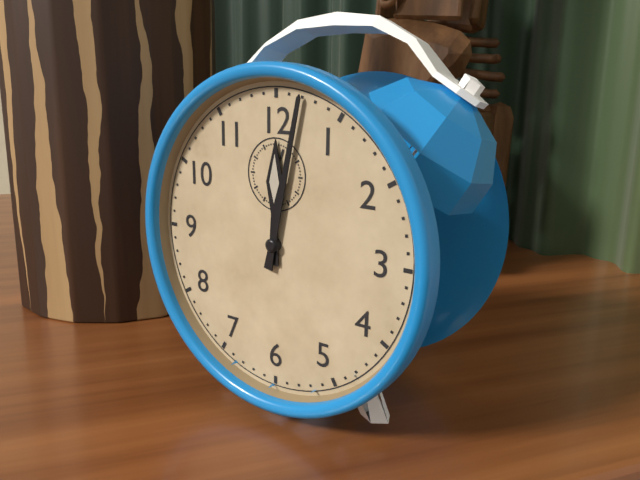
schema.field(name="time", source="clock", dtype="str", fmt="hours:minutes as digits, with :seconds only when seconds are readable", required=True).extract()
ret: 12:02
